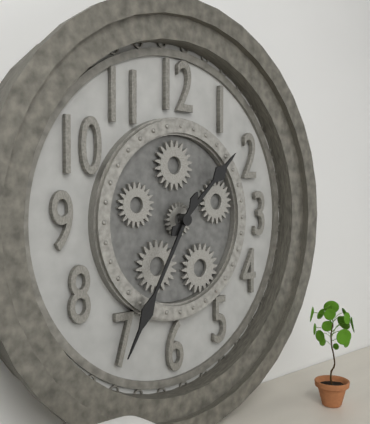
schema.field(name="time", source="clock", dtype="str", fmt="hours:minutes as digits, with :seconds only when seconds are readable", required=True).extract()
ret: 1:35
